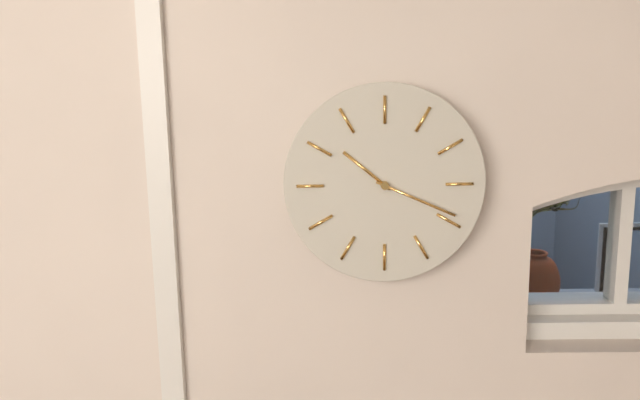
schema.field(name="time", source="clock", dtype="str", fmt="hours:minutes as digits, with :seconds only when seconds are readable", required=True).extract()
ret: 10:19
